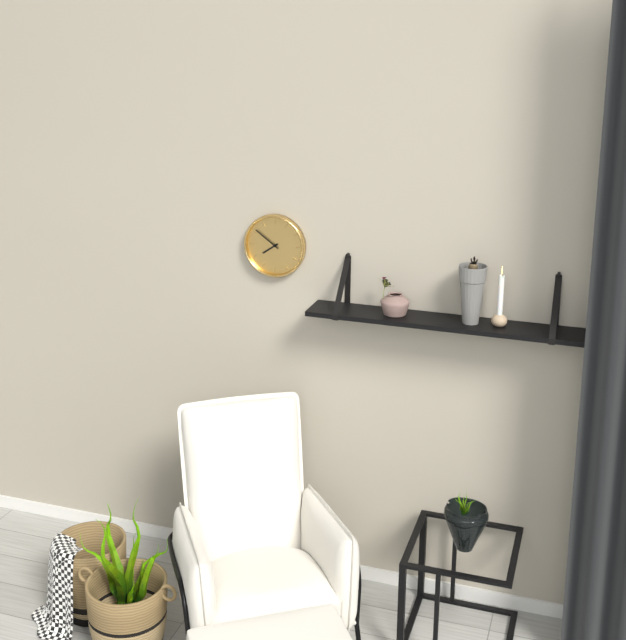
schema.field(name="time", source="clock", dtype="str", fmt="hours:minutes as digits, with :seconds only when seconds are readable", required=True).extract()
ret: 7:51
